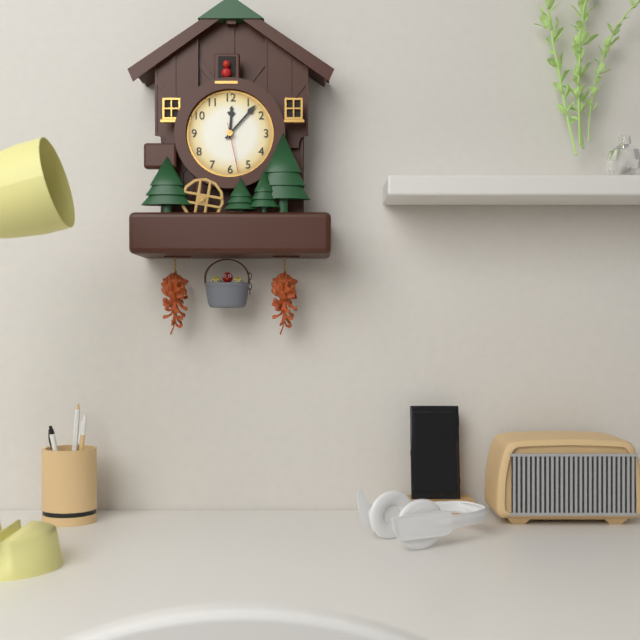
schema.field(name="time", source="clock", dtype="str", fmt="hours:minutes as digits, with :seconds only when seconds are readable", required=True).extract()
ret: 12:07:28
